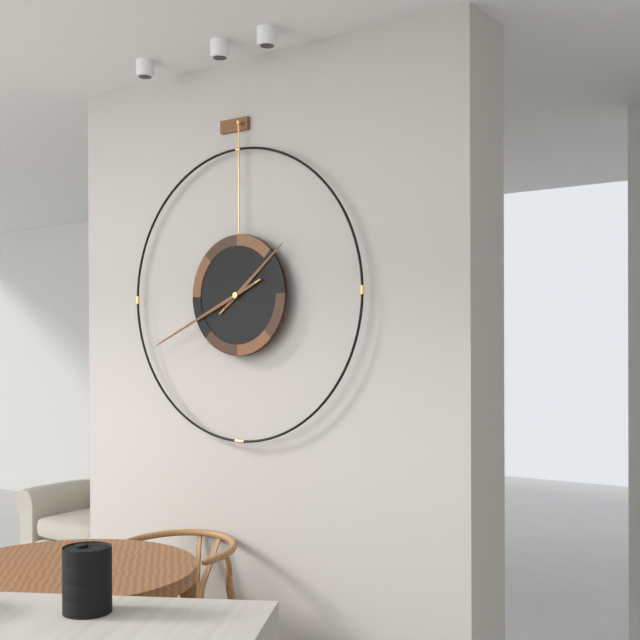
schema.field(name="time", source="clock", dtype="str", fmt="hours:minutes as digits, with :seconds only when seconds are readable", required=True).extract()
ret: 1:41
